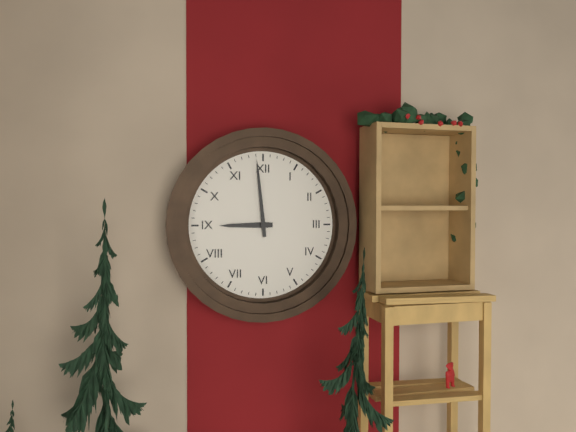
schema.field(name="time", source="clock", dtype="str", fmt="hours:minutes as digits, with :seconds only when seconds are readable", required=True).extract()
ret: 8:59
